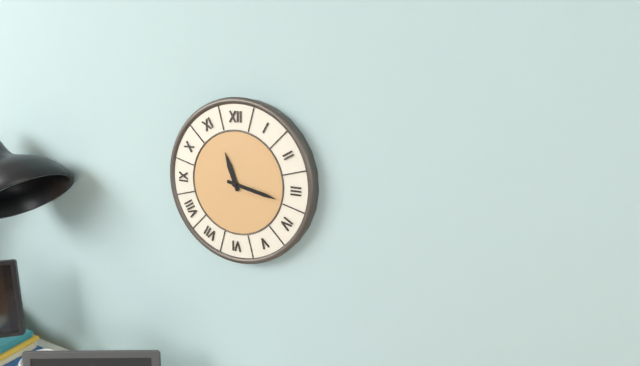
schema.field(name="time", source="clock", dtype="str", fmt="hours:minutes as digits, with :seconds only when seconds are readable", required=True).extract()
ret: 11:17
